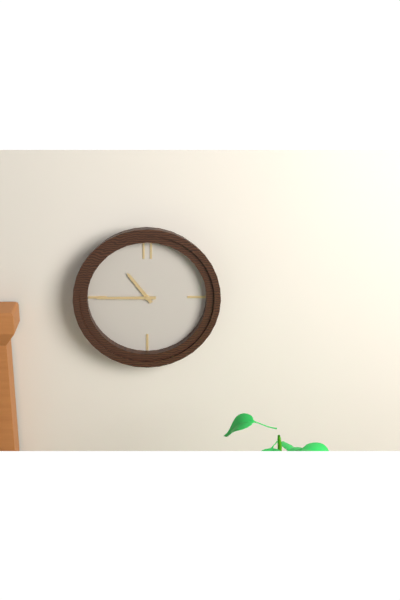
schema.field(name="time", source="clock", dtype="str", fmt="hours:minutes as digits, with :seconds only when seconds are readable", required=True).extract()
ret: 10:45
